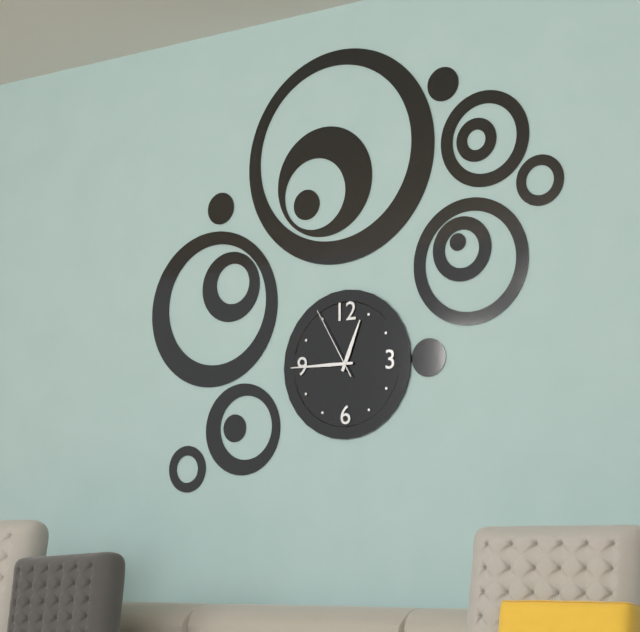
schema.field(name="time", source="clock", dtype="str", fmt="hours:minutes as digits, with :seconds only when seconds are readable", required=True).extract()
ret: 12:45:55
